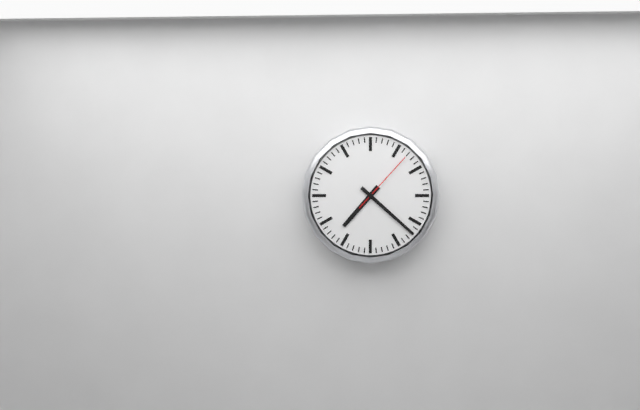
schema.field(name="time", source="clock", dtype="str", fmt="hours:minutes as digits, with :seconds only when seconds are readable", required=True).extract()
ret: 7:22:07
